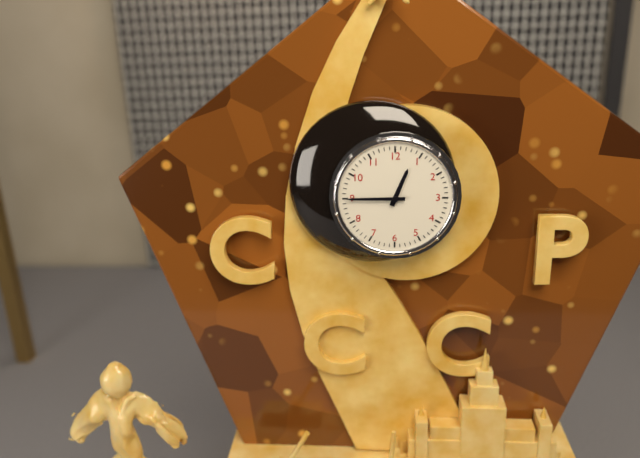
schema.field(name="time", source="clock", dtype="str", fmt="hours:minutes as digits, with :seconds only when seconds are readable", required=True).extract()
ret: 12:45
